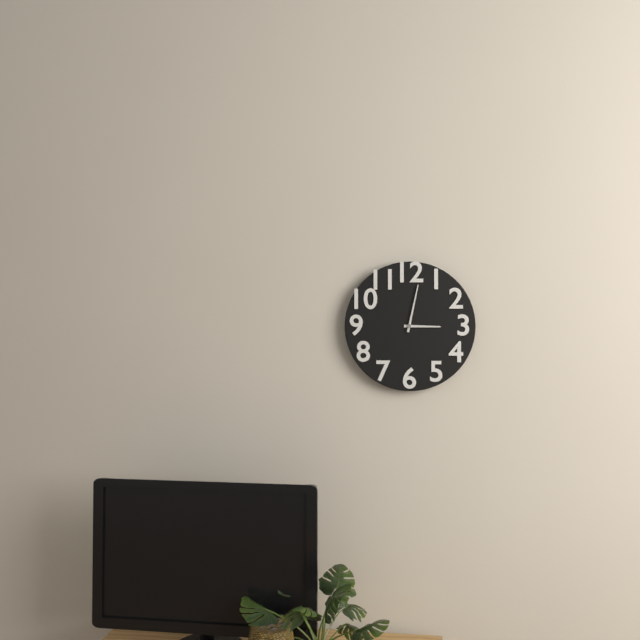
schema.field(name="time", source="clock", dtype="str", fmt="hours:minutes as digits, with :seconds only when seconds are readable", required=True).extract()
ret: 3:02
